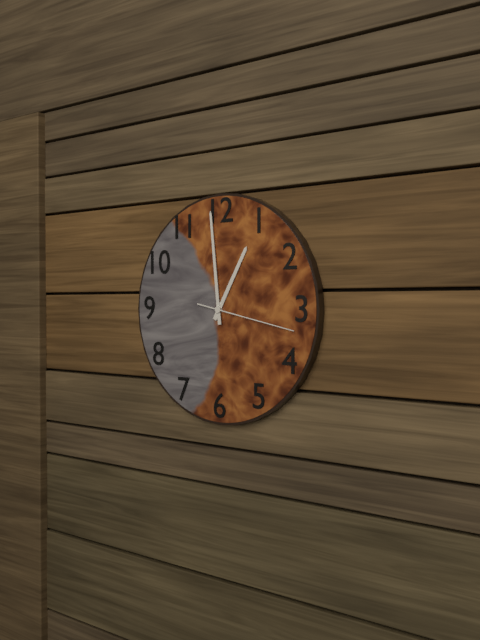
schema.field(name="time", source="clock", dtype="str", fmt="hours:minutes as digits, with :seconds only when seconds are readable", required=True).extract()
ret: 12:59:17
